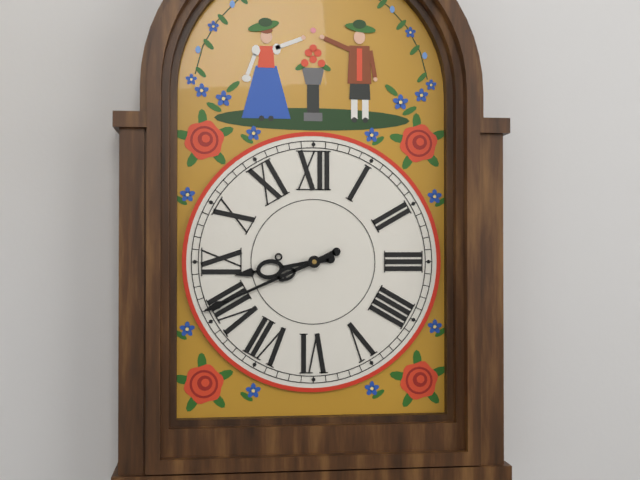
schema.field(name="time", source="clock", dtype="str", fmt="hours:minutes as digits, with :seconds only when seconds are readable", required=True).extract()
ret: 8:41
